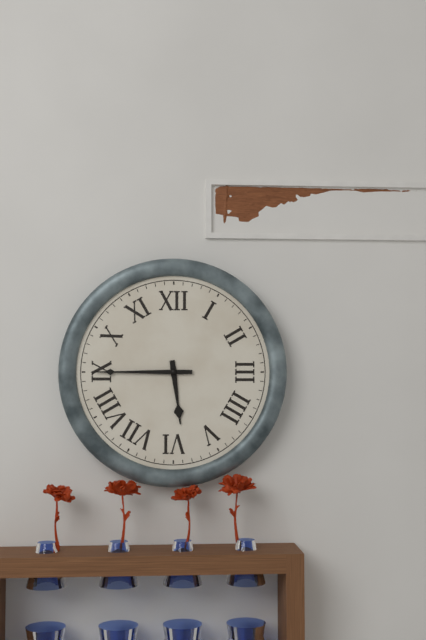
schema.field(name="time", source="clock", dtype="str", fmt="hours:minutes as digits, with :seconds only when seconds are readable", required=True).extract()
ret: 5:45
